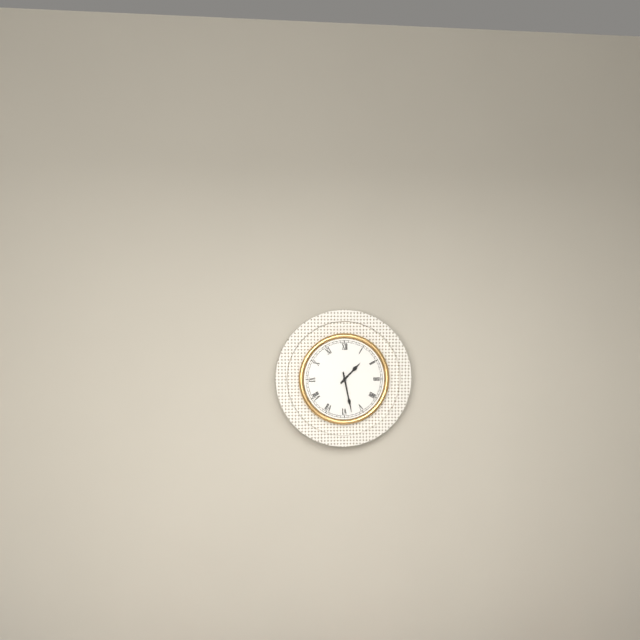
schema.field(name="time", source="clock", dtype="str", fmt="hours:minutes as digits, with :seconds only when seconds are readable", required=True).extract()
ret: 1:28
